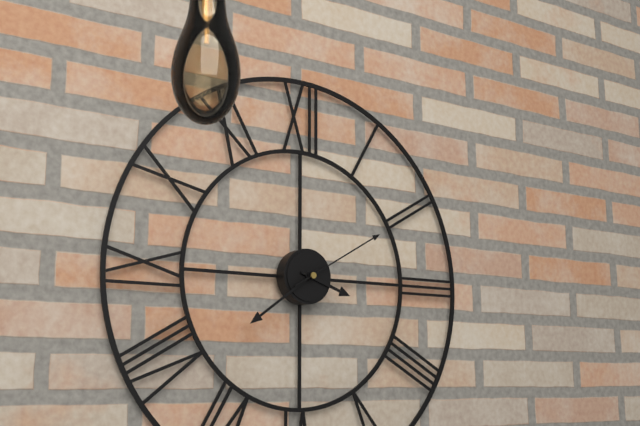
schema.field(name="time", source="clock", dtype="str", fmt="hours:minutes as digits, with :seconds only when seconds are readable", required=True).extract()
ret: 3:39:10
